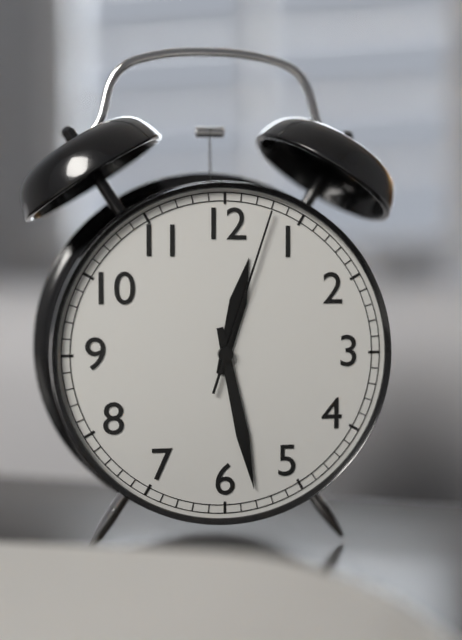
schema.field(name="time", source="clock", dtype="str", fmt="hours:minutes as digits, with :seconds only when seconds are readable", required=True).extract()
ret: 12:28:03
